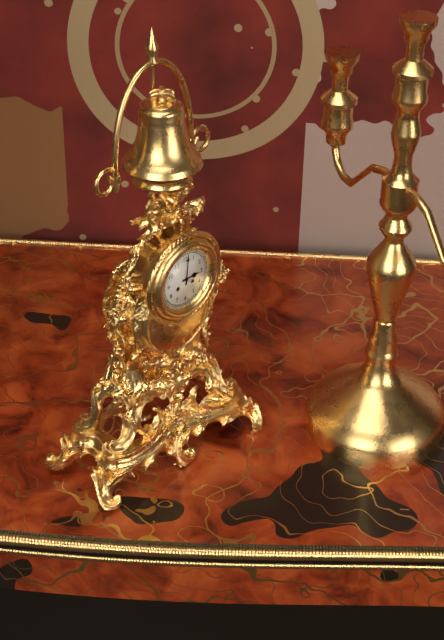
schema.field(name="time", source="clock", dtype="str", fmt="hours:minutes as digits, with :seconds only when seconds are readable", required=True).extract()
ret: 3:01
